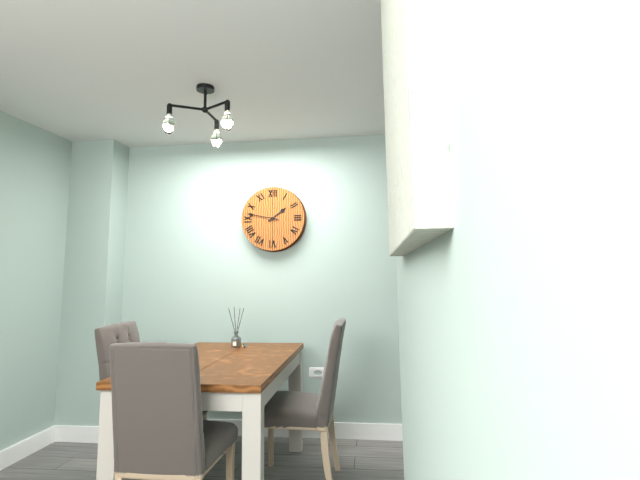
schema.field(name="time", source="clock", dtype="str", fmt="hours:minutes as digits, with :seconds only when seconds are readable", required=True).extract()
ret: 1:47
